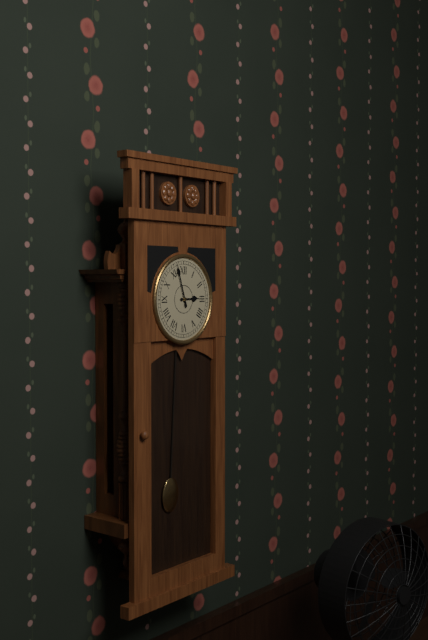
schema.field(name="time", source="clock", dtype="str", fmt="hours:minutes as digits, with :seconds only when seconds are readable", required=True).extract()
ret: 2:57
